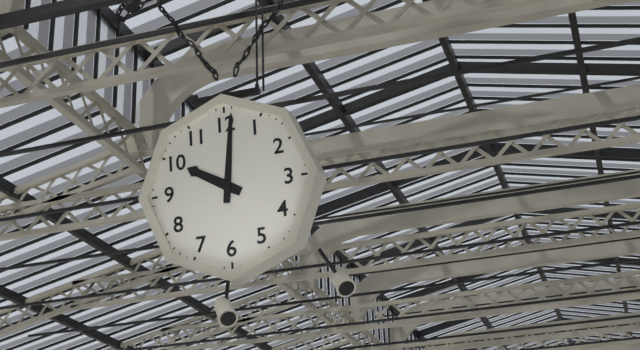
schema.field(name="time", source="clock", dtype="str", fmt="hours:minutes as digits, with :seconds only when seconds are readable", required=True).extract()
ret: 10:01
